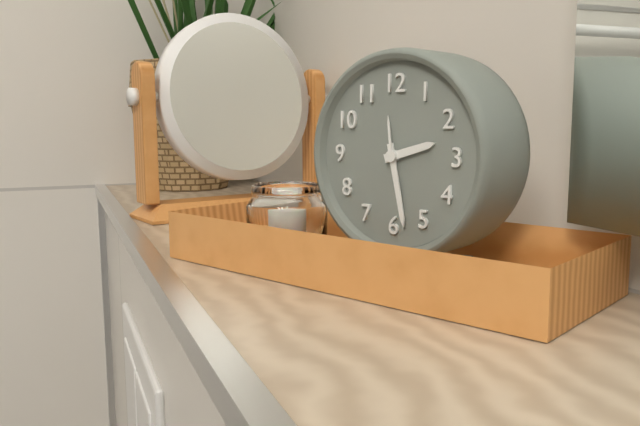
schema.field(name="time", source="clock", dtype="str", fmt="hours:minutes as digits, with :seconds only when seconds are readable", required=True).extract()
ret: 2:28
